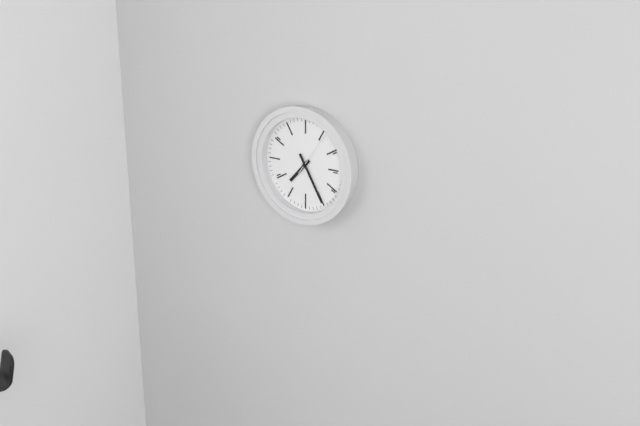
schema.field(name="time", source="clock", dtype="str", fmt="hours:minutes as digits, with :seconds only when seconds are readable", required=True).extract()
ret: 7:25
